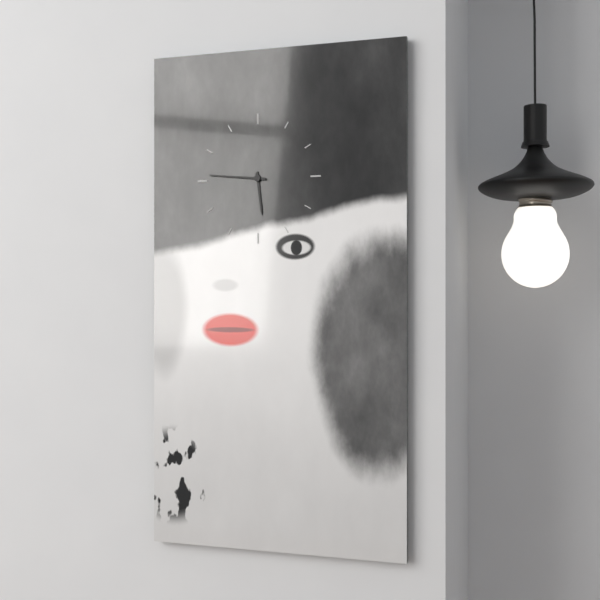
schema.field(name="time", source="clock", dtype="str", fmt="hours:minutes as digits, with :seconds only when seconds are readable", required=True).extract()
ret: 5:46
